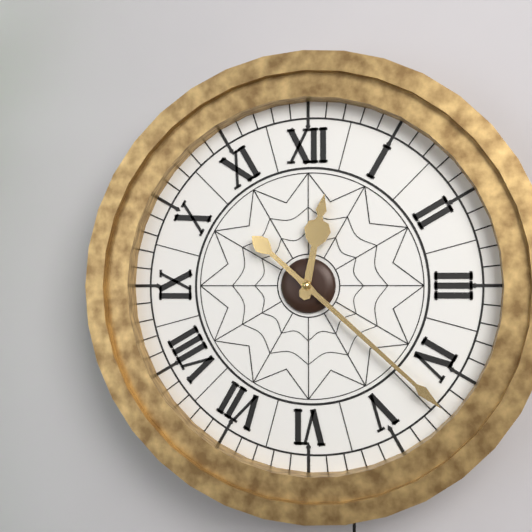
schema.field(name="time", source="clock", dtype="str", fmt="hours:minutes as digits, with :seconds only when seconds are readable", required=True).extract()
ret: 12:22
